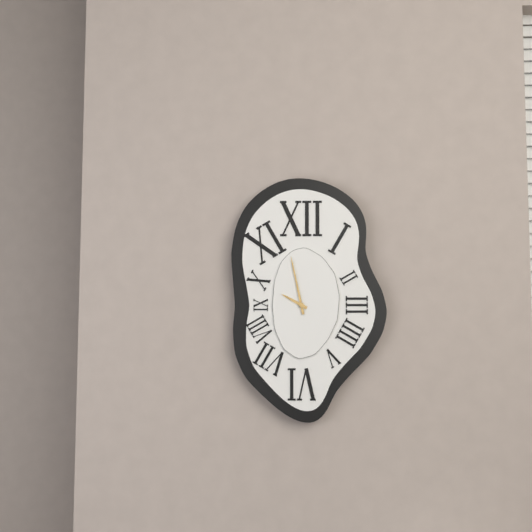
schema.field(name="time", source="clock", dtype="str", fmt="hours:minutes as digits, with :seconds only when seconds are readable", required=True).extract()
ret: 9:58
